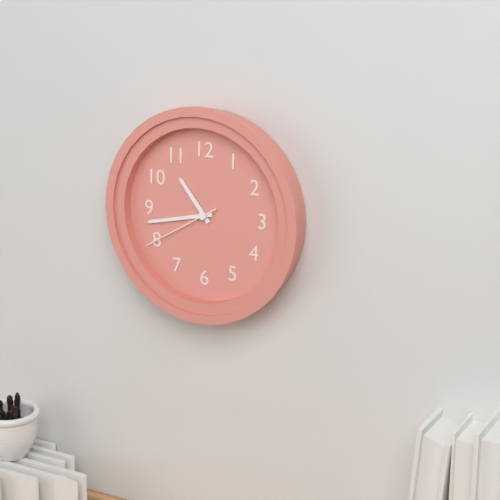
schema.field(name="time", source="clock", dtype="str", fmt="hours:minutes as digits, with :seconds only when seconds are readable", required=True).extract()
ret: 10:43:40
